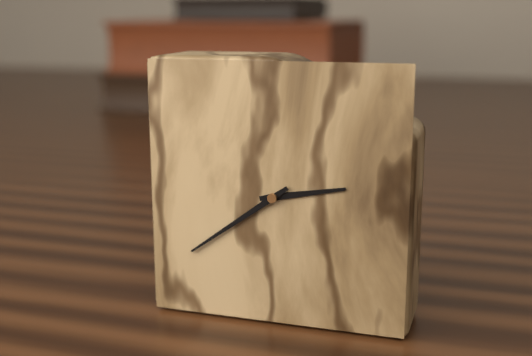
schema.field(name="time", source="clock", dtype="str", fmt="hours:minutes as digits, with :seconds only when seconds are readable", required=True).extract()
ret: 2:39
